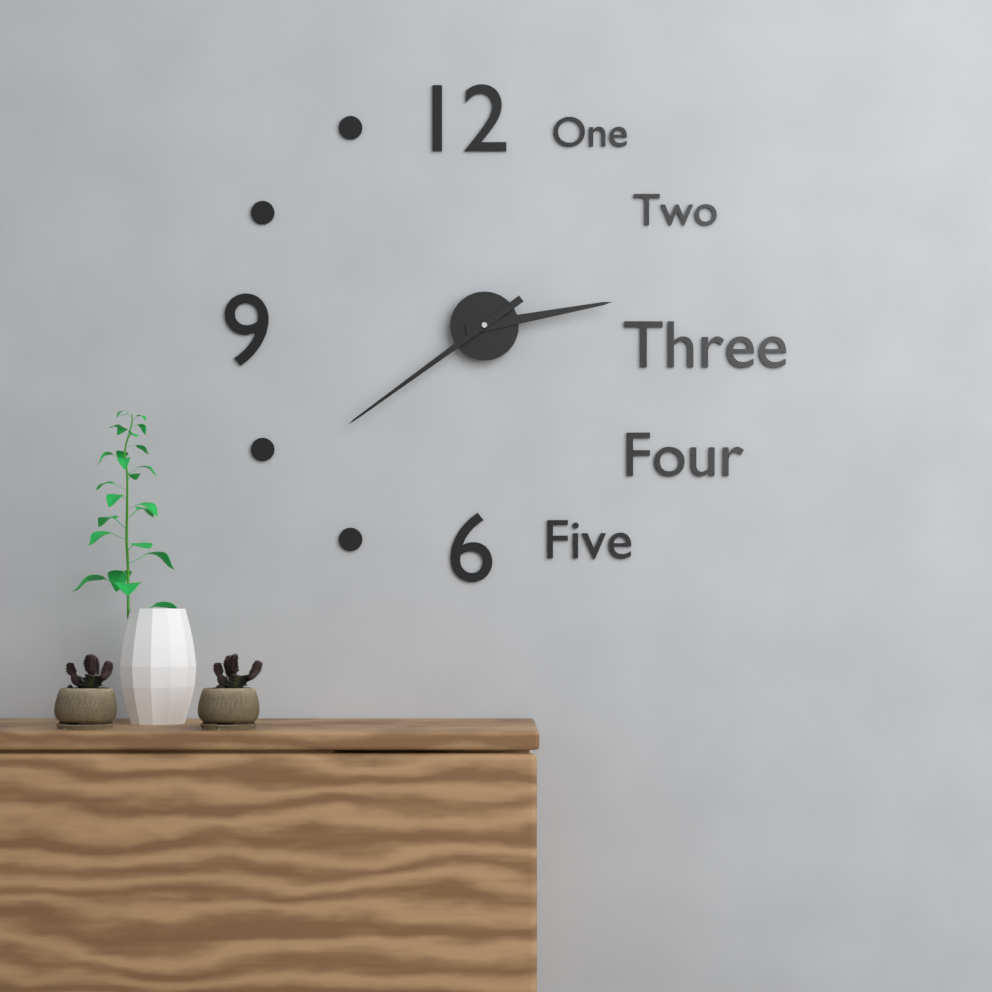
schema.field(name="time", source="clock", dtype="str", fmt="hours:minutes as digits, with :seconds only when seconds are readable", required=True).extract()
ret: 2:39
